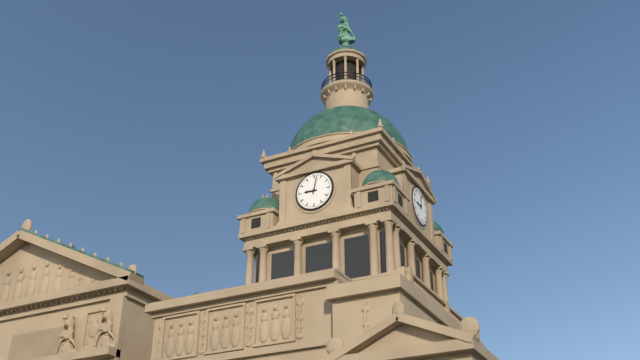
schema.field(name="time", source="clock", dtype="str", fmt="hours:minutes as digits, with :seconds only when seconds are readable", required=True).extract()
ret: 9:02
